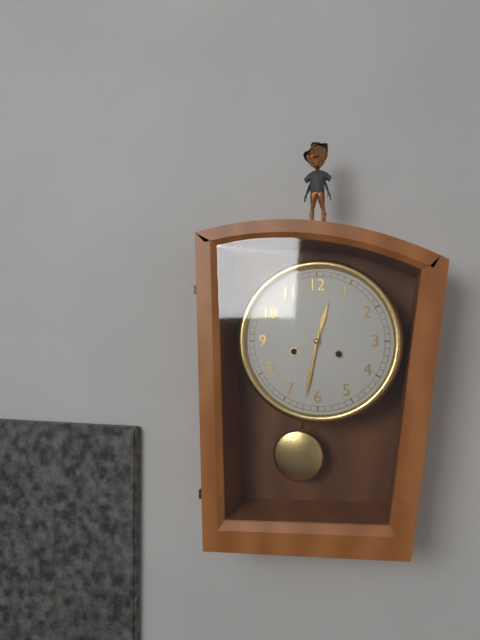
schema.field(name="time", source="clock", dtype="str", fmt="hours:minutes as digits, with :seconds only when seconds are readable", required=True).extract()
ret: 12:32
